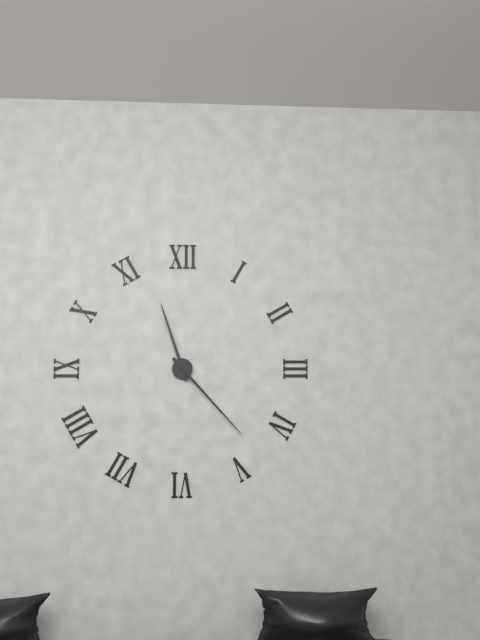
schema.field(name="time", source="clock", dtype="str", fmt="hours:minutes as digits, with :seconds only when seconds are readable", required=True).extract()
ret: 11:23
